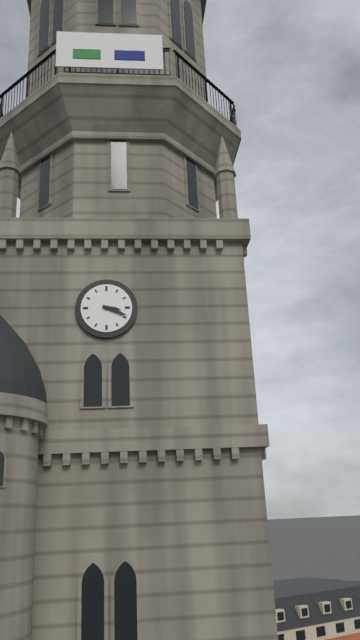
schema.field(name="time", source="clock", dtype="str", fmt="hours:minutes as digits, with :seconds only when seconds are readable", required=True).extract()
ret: 3:19
